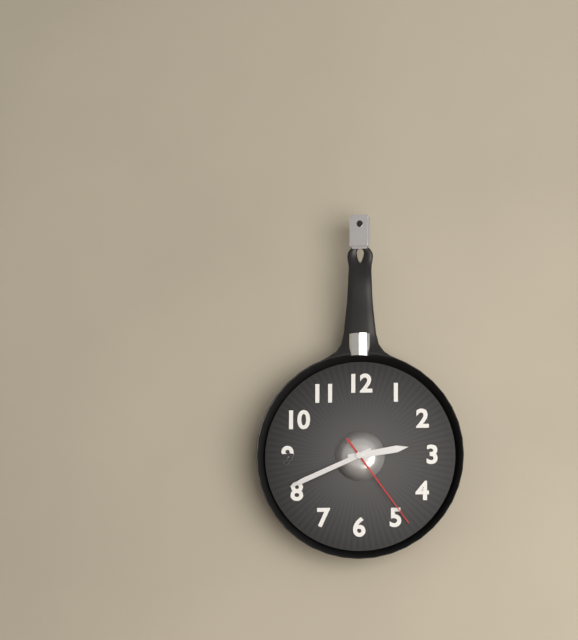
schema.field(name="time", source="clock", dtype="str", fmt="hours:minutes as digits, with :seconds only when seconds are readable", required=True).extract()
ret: 2:41:24
